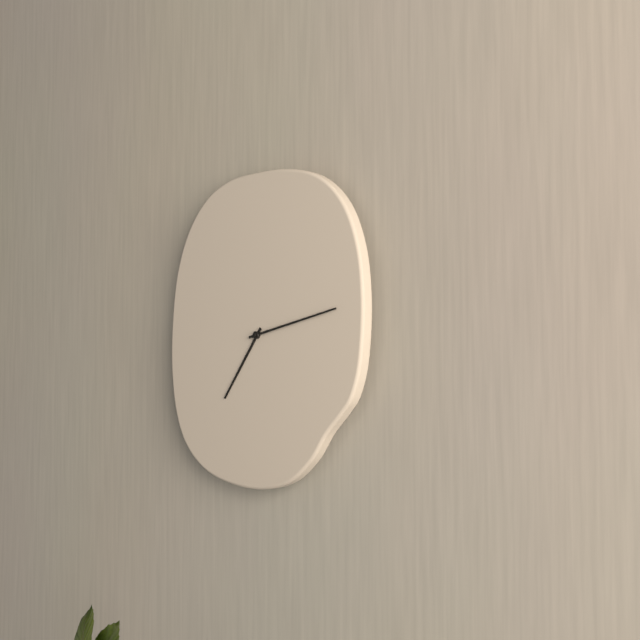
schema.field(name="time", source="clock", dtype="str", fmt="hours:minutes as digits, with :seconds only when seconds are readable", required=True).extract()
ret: 7:13
